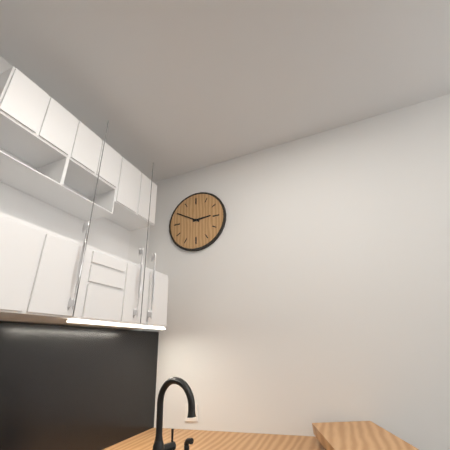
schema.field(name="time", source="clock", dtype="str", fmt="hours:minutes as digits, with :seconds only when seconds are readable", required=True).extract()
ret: 2:50
